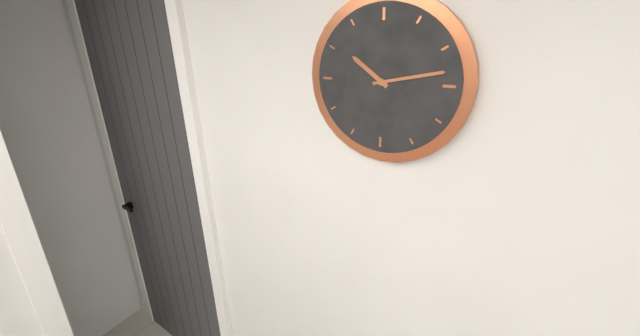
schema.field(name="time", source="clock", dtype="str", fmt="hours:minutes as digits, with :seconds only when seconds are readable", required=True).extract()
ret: 10:13
